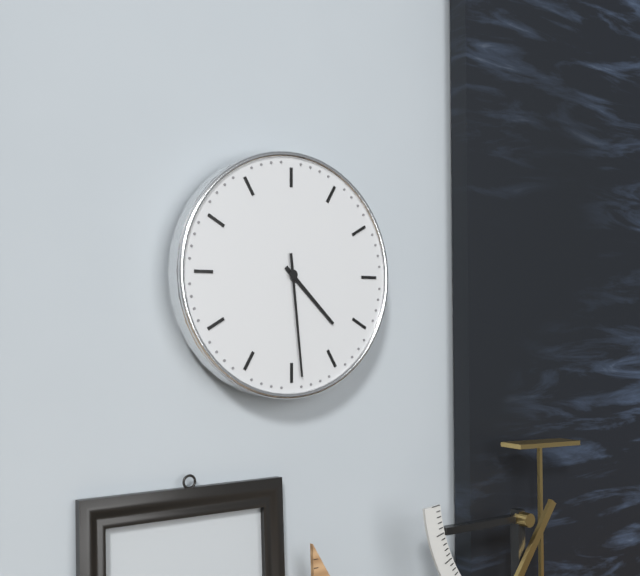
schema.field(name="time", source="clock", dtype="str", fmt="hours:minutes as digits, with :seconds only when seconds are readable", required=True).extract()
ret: 4:29
